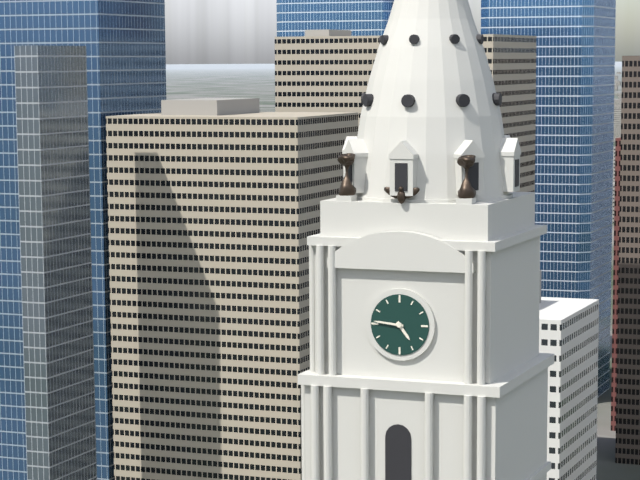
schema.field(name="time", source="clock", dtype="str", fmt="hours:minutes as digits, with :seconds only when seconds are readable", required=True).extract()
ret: 4:46
